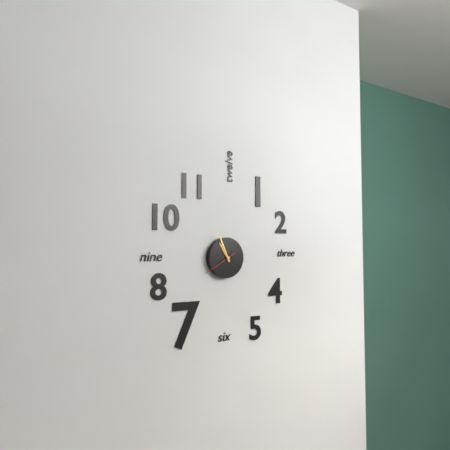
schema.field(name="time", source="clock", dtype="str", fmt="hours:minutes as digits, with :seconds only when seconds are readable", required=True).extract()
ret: 10:56
